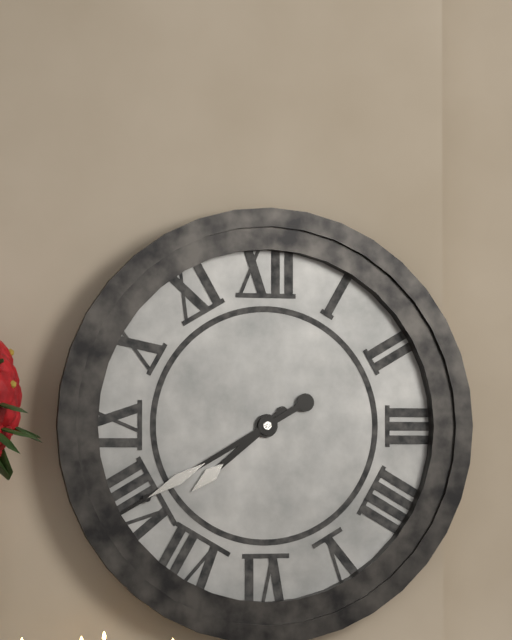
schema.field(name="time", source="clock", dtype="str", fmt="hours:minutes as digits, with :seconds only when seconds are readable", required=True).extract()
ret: 7:40
